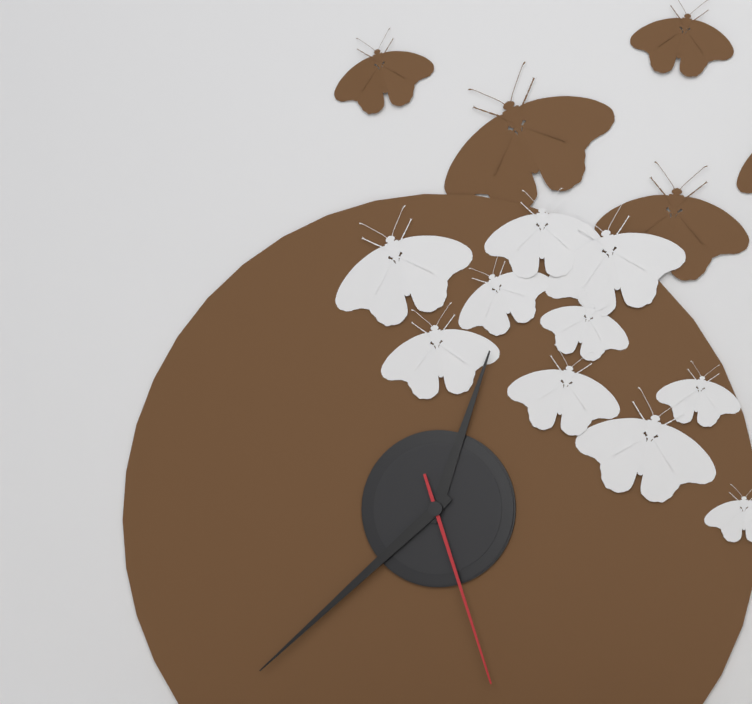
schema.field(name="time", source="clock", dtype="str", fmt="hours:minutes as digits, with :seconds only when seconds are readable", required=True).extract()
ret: 12:38:27
